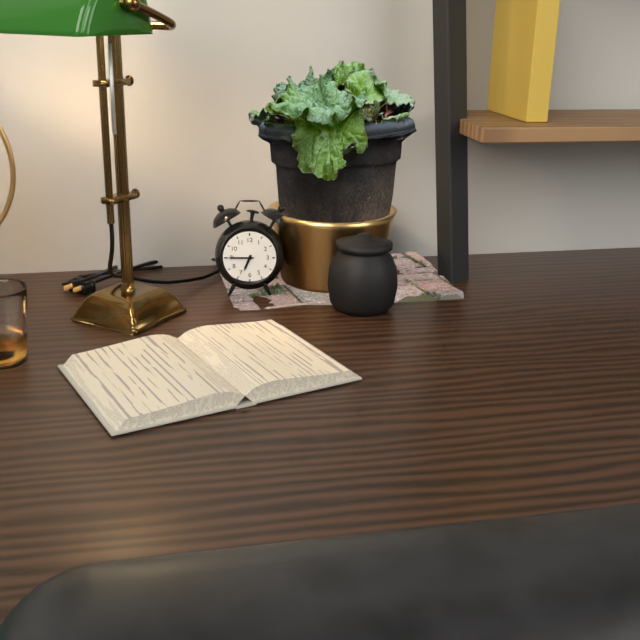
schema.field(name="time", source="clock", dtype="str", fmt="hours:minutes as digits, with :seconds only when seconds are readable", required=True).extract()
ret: 6:45
